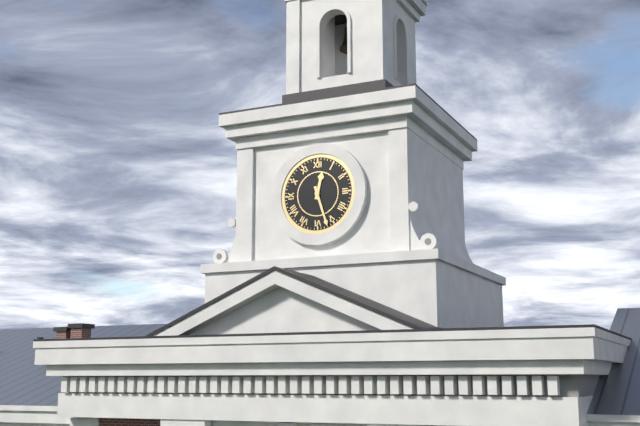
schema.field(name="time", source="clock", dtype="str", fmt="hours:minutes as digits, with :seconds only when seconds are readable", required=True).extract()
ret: 12:27
